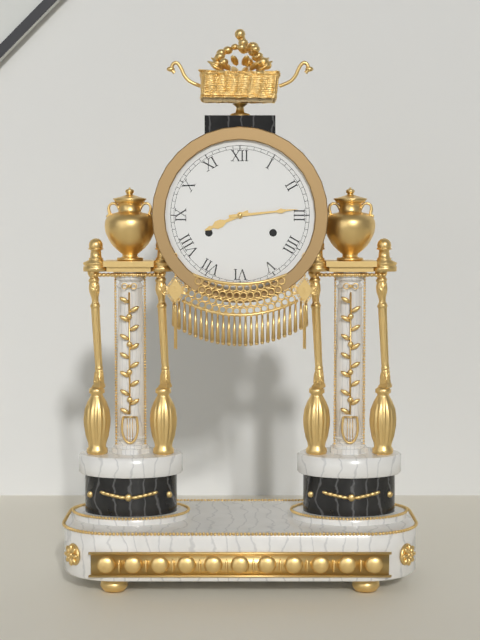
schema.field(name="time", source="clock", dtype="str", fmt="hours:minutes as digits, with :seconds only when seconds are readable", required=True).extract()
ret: 8:14
